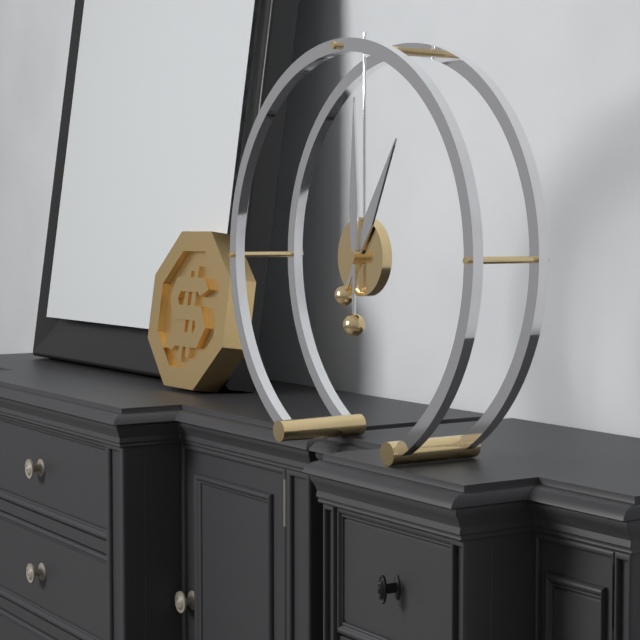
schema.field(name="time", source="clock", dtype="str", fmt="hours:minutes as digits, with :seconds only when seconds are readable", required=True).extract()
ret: 1:00
